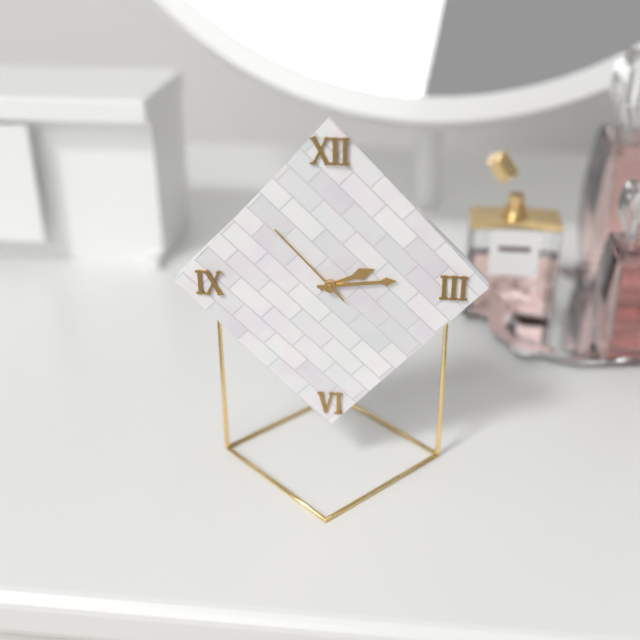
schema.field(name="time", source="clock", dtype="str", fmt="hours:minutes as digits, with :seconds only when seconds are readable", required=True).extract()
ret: 2:14:53
